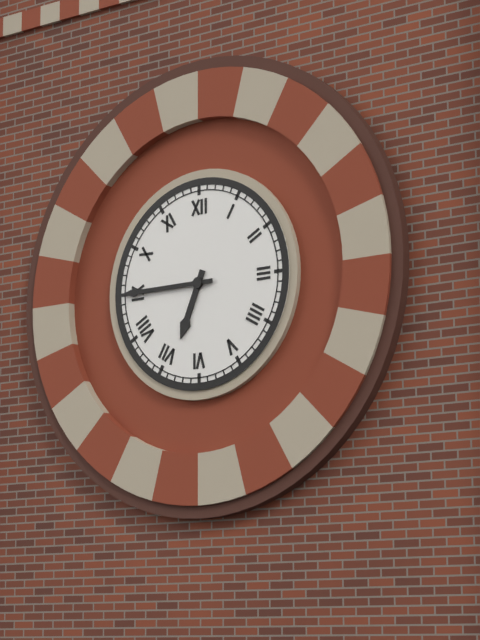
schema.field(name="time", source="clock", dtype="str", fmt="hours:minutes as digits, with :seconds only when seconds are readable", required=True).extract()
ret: 6:45
